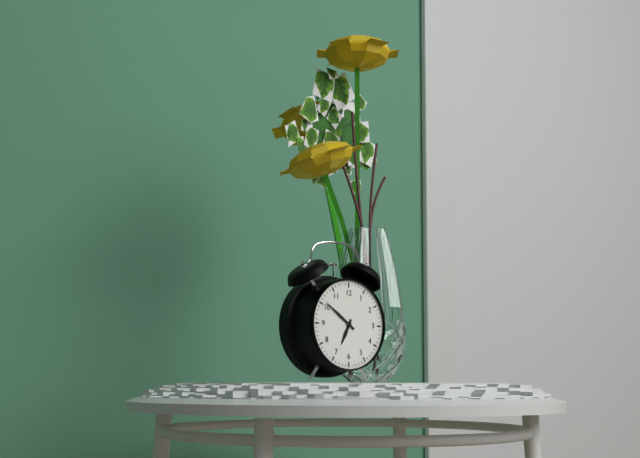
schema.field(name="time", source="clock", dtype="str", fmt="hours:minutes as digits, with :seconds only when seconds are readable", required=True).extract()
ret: 6:51
